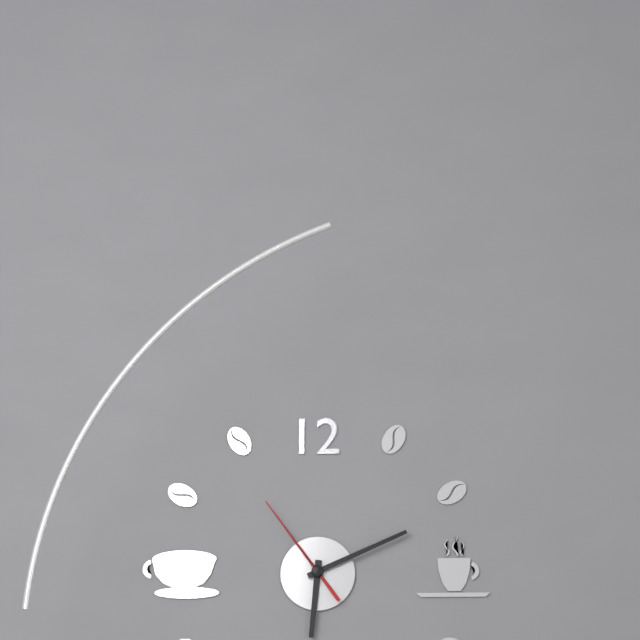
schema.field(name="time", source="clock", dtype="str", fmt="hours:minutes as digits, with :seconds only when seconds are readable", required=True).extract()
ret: 6:11:54
